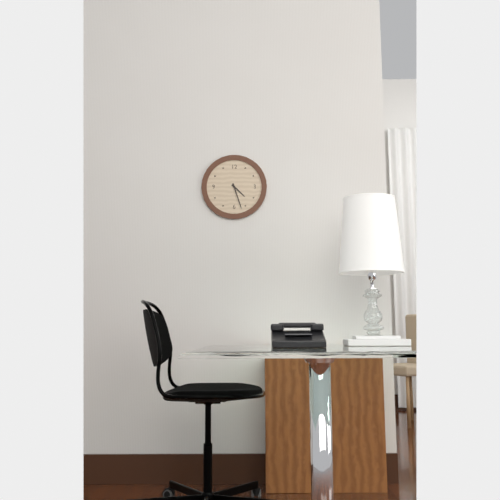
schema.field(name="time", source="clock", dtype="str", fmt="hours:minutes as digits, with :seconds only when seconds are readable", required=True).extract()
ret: 4:27
